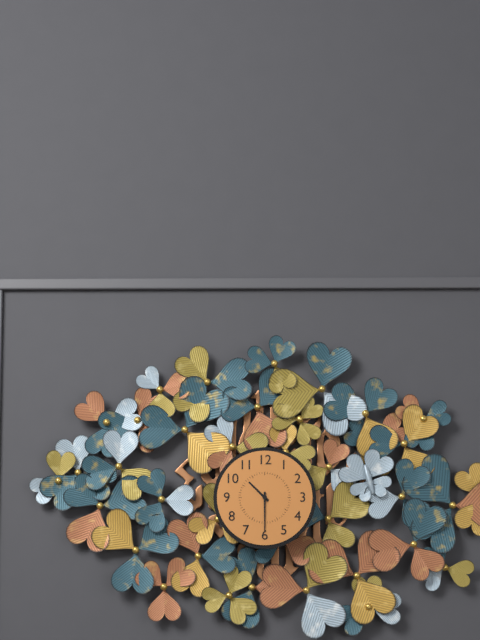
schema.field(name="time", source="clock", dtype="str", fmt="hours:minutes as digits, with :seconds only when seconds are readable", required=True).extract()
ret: 10:30
